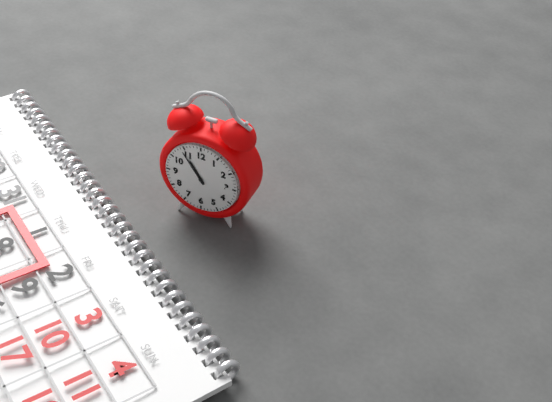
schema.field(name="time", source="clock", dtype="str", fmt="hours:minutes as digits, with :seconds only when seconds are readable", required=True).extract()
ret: 10:54
